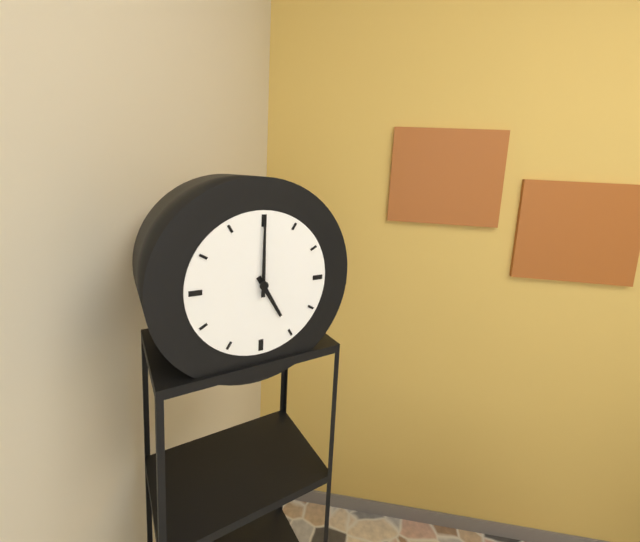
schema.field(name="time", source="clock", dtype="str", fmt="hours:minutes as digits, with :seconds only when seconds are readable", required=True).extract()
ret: 5:00
